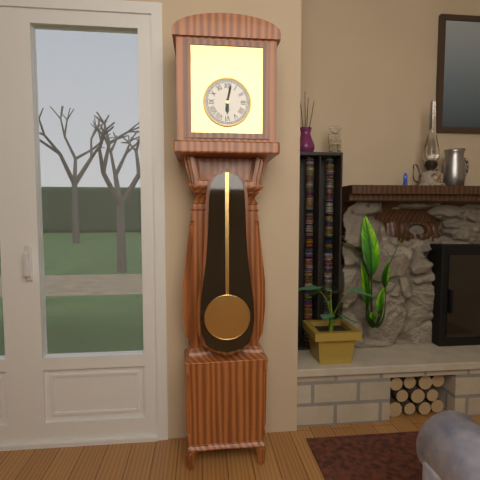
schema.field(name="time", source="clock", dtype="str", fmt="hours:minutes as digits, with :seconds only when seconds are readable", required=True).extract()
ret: 6:02
